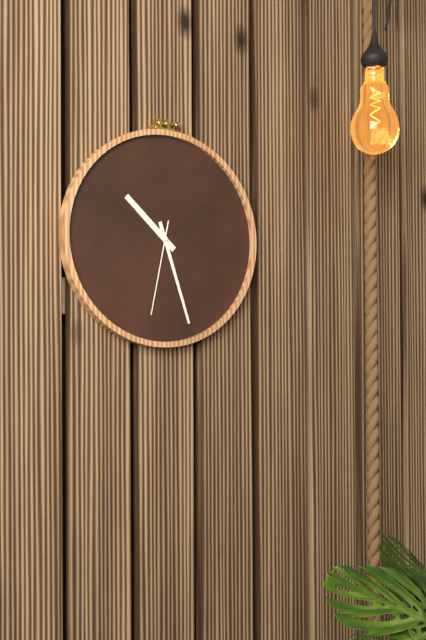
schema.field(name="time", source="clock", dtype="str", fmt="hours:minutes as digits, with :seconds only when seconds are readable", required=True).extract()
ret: 10:27:32
